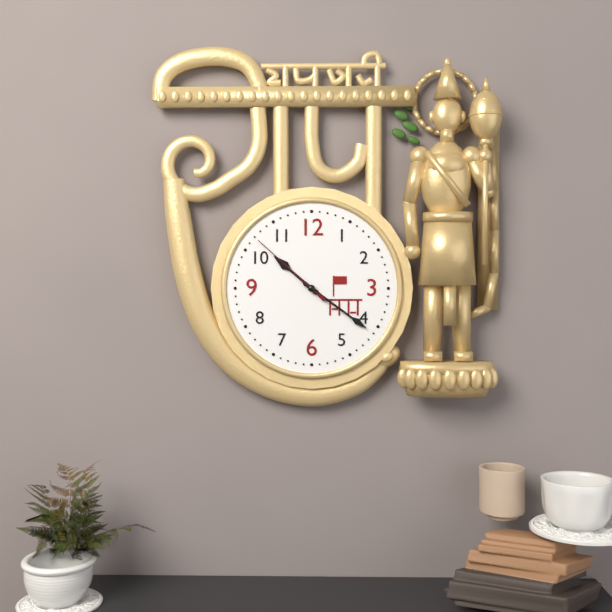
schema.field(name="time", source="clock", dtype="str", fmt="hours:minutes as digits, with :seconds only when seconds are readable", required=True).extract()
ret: 10:21:52
